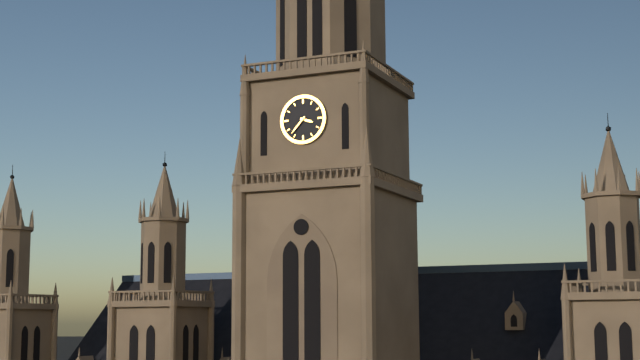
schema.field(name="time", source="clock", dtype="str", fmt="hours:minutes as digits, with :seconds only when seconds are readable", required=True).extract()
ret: 3:37
